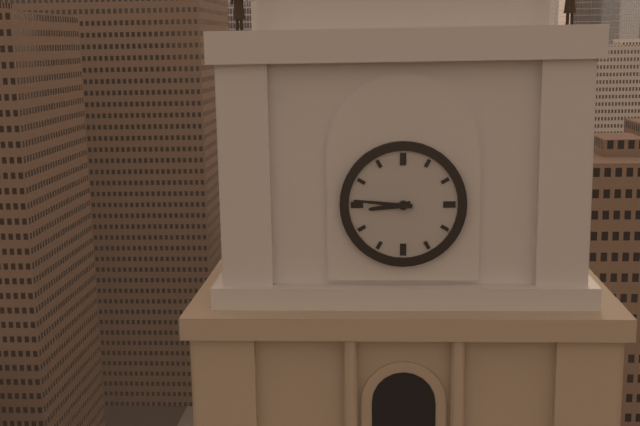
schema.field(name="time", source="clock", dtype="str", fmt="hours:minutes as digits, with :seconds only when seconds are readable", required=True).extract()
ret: 8:46
